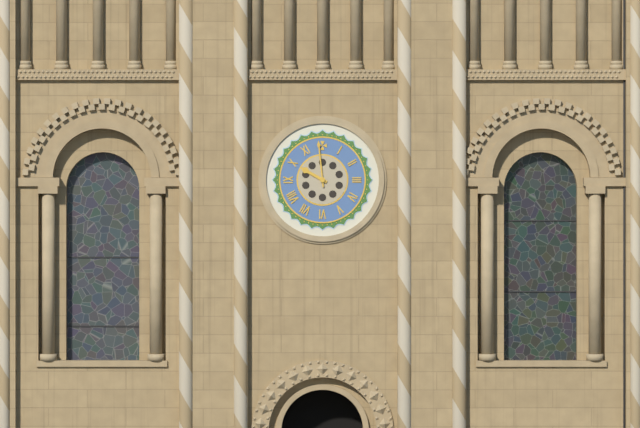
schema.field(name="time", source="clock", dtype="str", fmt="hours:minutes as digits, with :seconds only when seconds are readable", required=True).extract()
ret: 9:59
